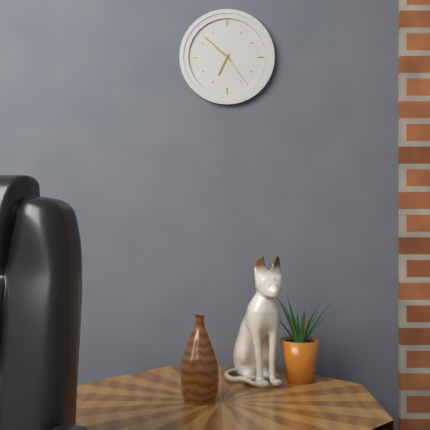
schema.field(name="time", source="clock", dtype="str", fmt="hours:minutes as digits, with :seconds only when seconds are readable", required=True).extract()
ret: 6:52
